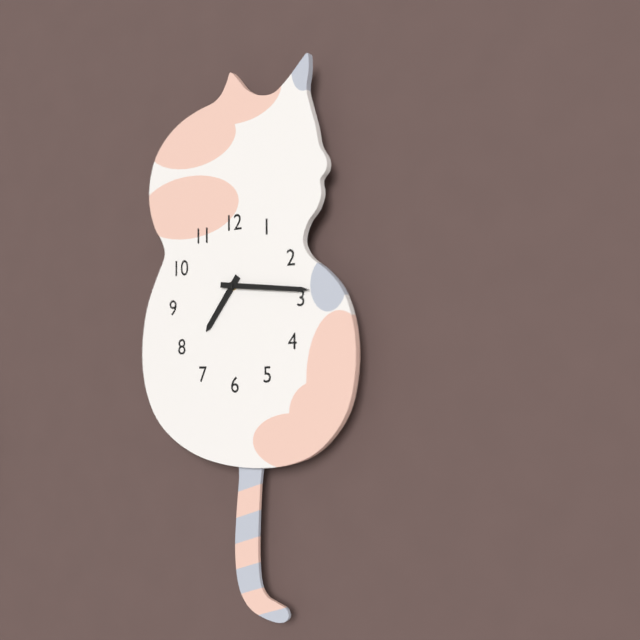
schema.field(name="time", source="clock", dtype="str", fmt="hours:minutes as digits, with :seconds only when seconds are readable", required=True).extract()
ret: 7:16
